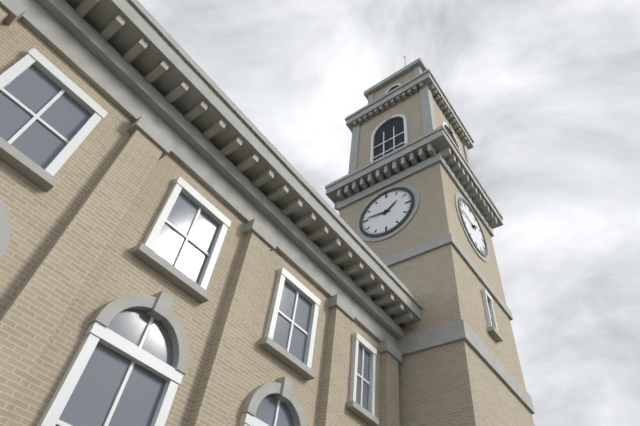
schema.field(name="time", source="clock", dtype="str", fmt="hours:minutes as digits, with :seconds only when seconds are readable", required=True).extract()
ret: 1:46
